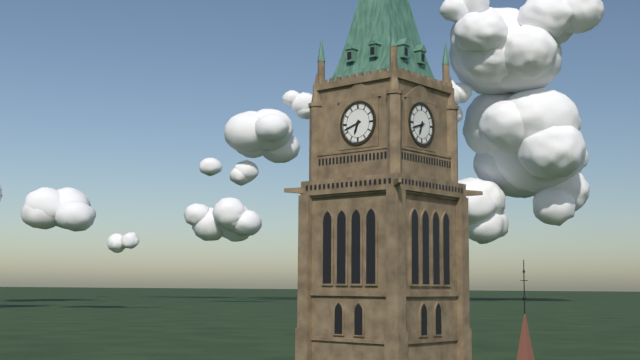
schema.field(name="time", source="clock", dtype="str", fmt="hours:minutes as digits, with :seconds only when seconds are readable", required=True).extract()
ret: 6:42
